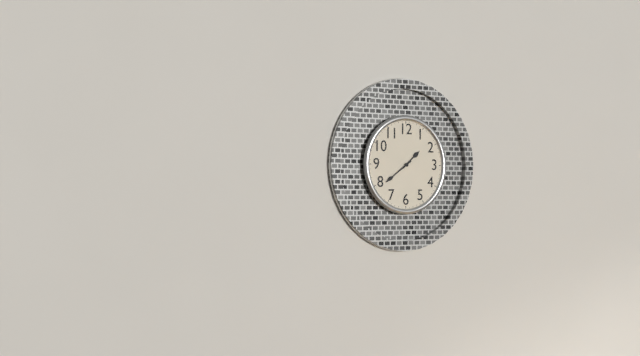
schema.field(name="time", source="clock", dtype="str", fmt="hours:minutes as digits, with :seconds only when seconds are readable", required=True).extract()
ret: 1:39
